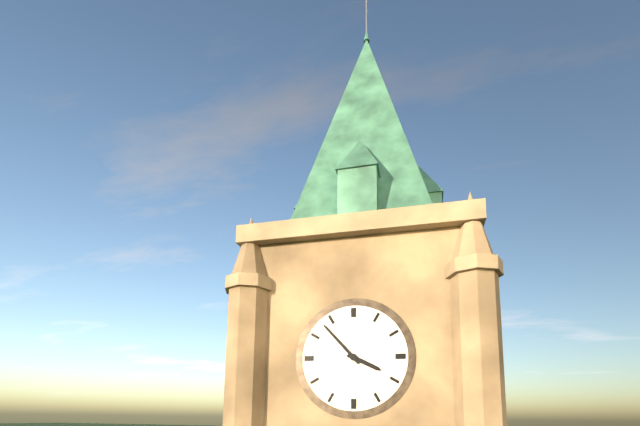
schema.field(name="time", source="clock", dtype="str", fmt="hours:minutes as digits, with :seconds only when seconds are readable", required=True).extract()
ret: 3:53
